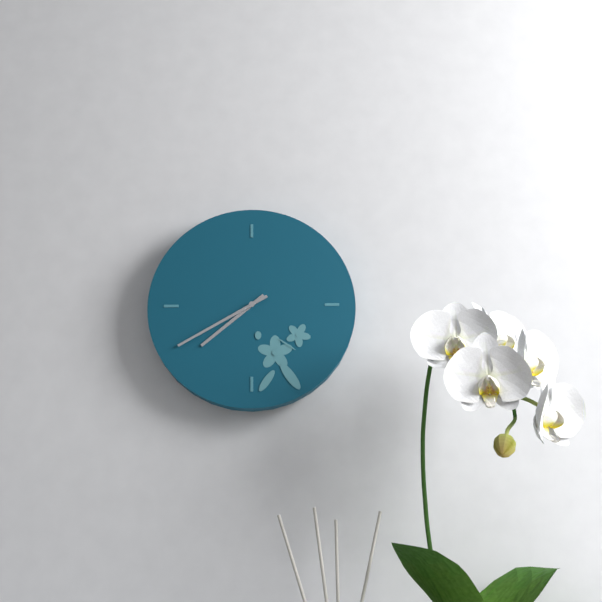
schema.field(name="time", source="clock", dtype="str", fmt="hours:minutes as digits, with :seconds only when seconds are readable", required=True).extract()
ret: 7:40
